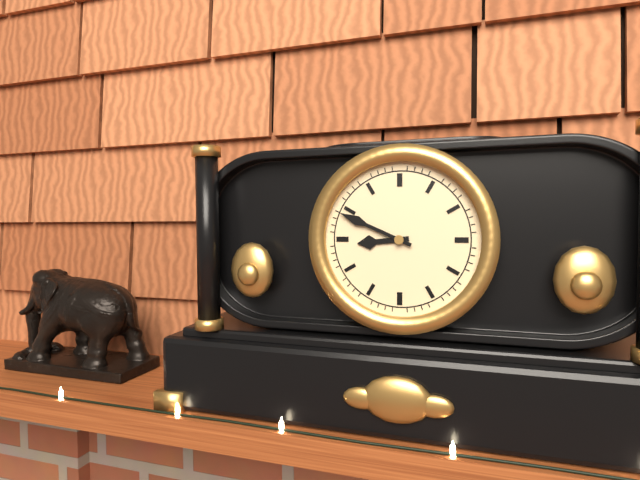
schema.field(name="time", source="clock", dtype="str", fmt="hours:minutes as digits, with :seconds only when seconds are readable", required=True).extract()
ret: 8:49
